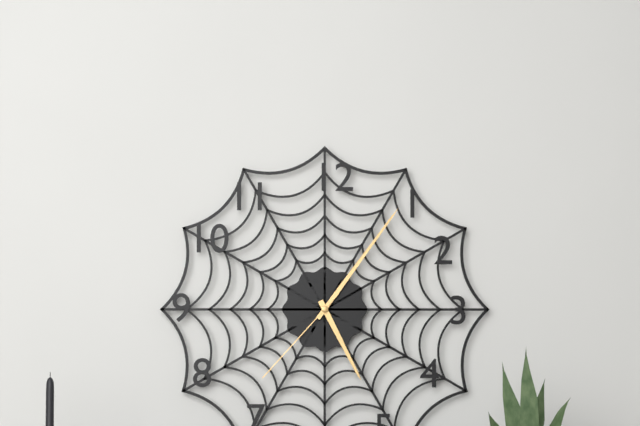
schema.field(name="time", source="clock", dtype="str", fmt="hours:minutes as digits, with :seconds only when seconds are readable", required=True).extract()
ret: 5:06:37
